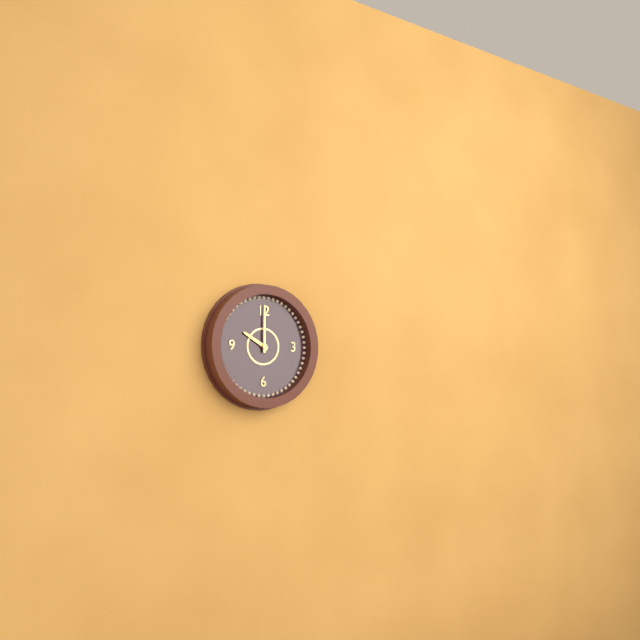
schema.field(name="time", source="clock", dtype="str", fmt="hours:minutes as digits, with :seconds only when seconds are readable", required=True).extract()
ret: 10:00
